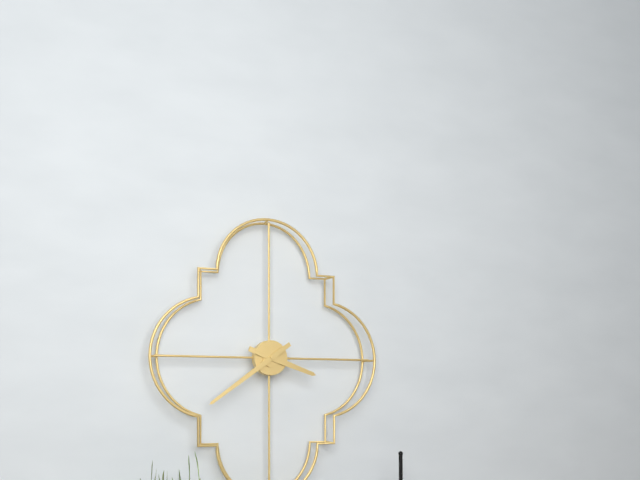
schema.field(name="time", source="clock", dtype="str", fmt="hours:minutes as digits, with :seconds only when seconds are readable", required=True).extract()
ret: 3:39
